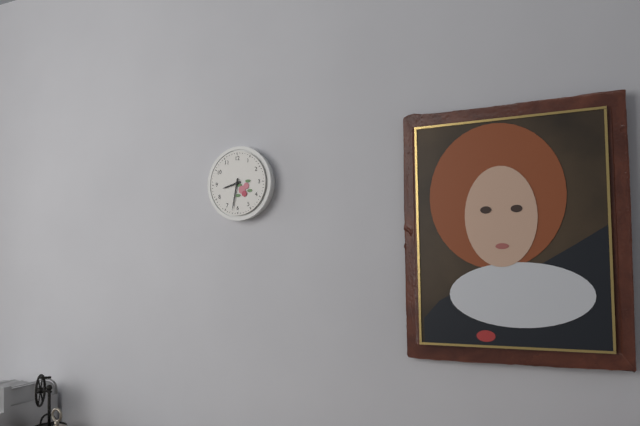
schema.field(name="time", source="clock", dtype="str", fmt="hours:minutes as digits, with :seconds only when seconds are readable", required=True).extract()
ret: 8:32
